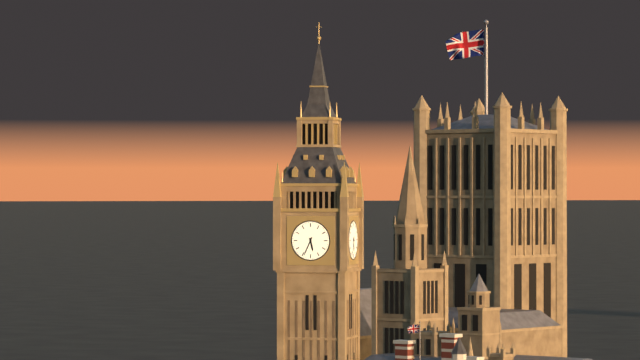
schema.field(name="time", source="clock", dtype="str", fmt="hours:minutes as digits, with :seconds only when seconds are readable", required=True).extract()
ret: 5:34
